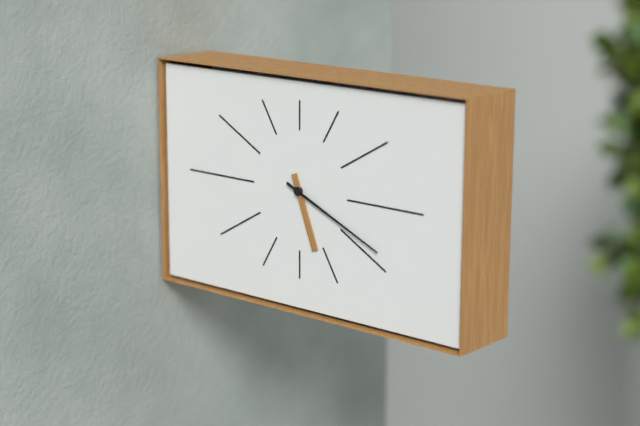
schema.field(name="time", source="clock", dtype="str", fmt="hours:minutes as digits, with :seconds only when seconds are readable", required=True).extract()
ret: 5:19
